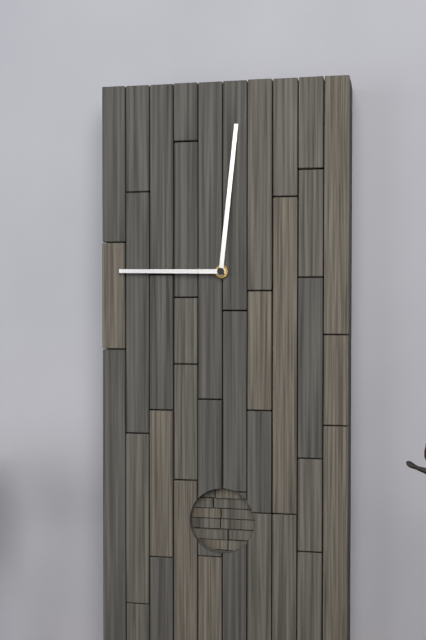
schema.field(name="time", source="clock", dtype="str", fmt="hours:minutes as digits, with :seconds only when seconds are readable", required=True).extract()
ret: 9:01
